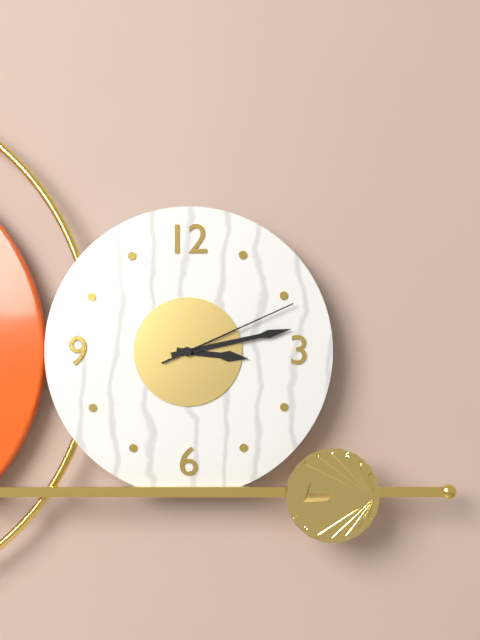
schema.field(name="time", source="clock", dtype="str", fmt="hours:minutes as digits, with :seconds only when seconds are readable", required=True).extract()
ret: 3:13:11
